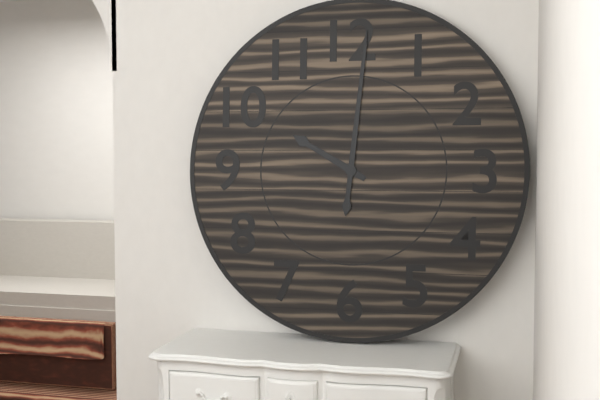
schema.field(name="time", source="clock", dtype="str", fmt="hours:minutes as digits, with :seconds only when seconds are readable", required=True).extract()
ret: 10:01
